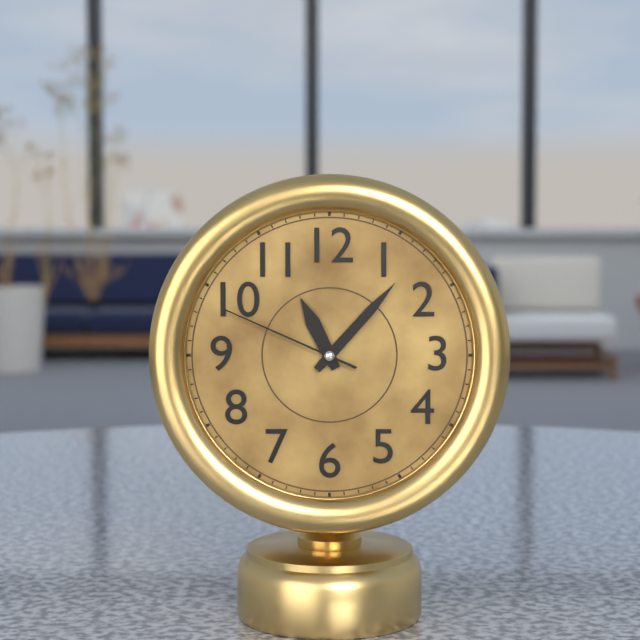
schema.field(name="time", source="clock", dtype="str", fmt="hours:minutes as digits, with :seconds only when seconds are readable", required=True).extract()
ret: 11:07:49
